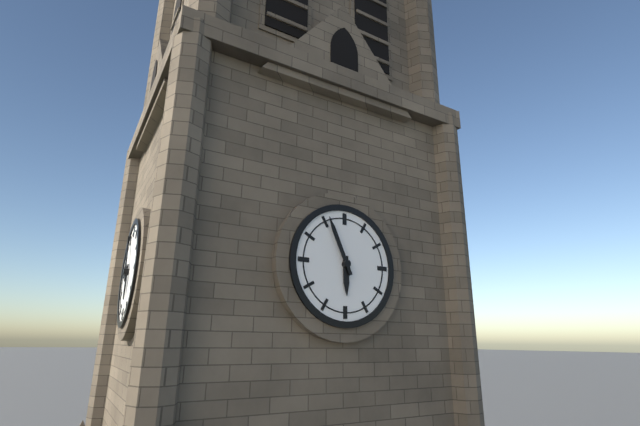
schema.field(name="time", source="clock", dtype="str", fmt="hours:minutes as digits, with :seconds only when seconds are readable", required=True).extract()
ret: 5:56
